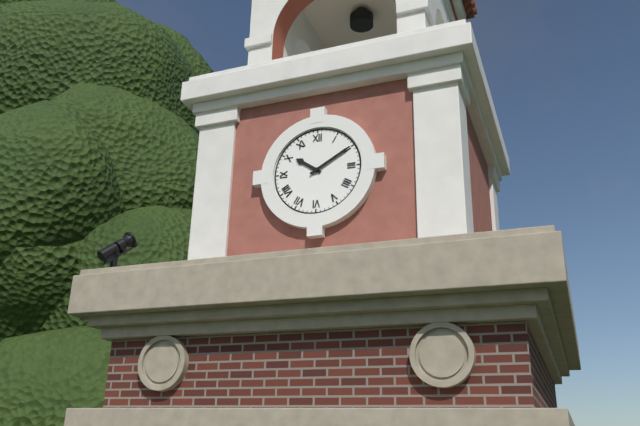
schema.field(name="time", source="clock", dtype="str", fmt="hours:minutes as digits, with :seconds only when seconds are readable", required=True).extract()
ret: 10:10
